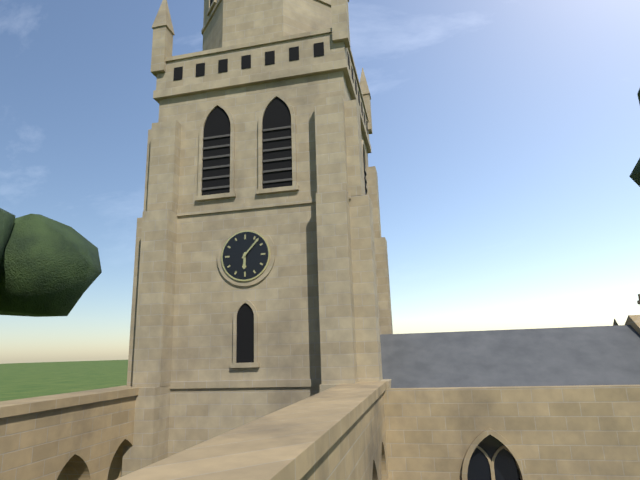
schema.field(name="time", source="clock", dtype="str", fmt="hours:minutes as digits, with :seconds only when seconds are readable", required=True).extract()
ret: 6:07
